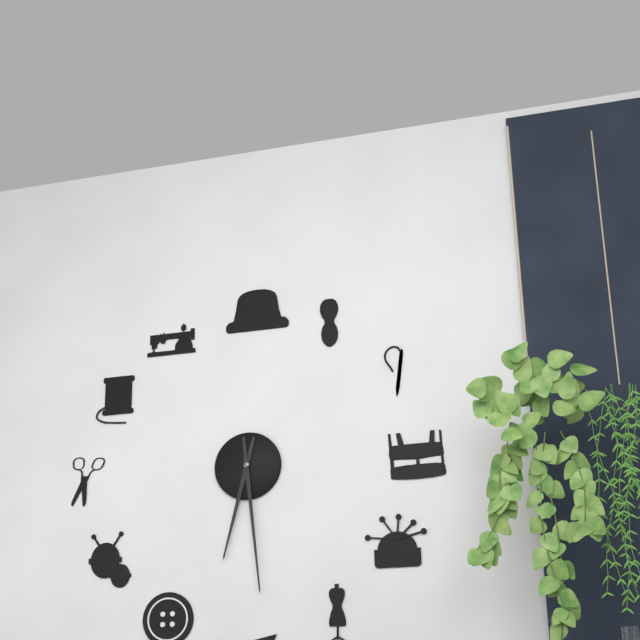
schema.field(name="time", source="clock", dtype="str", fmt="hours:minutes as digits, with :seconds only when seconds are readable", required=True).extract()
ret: 6:29
